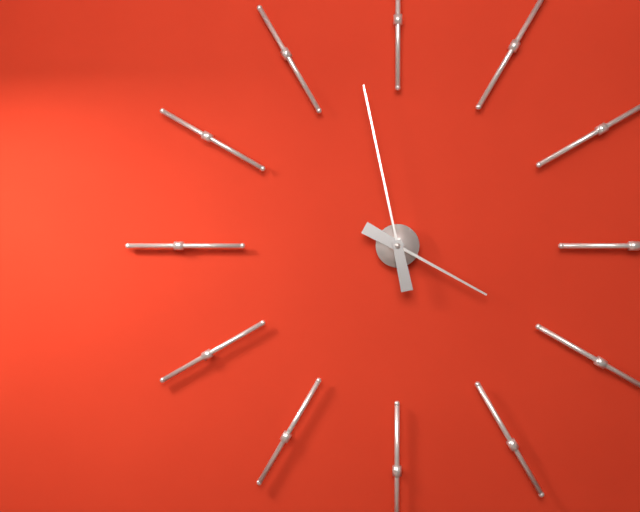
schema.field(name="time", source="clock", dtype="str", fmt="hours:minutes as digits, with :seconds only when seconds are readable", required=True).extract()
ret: 3:58
